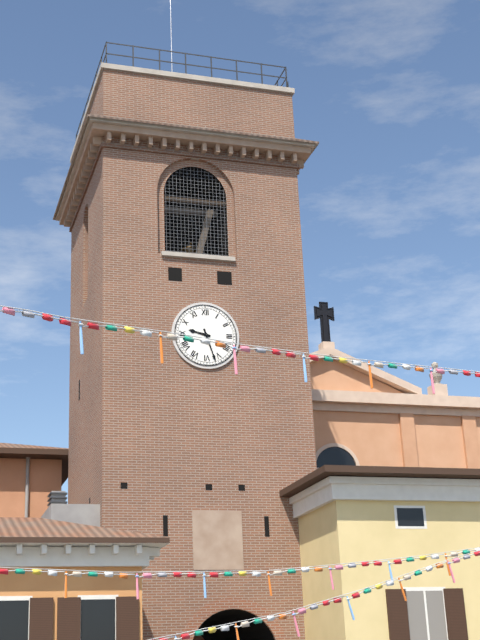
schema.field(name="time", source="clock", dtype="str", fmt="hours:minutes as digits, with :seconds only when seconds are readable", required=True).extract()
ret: 9:27
